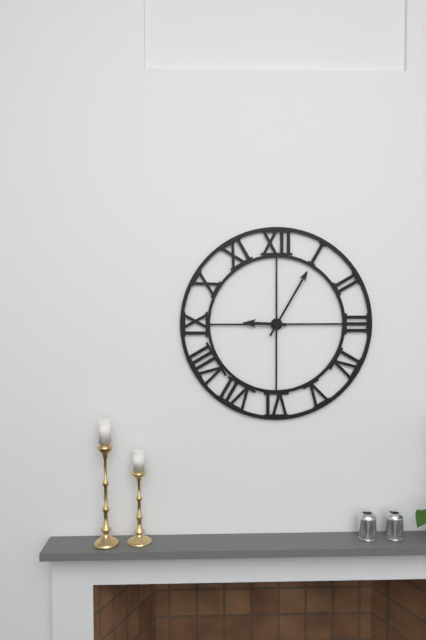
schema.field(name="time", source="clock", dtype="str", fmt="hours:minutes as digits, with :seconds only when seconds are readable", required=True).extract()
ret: 9:05
